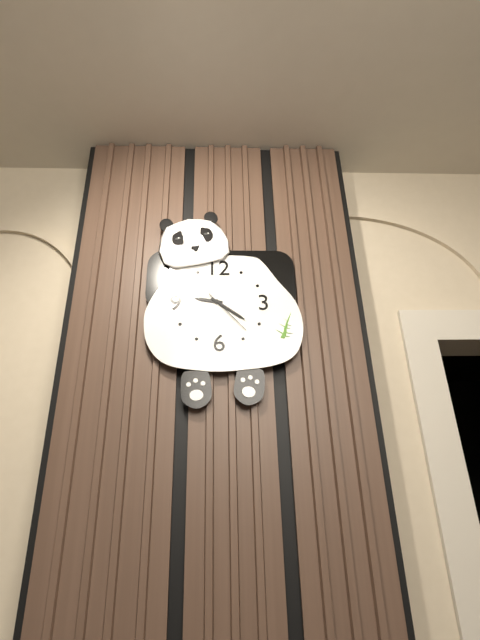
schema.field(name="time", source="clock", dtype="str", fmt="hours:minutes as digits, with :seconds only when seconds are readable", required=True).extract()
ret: 9:21:23
